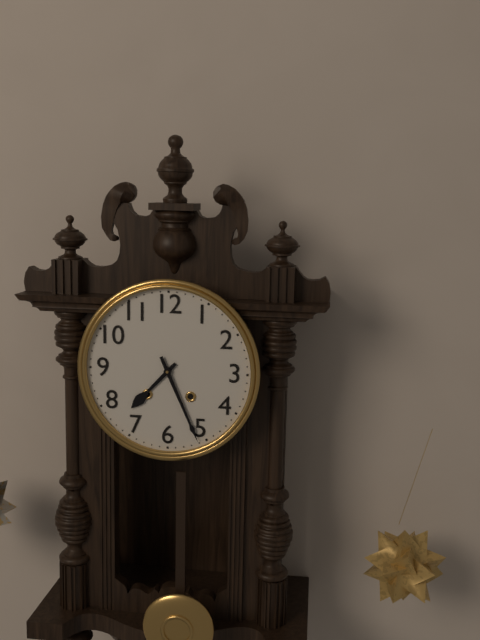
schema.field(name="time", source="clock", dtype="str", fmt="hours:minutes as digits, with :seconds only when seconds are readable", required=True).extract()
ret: 7:26
